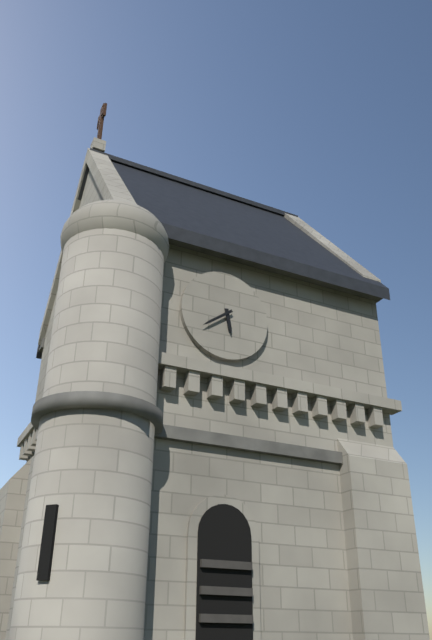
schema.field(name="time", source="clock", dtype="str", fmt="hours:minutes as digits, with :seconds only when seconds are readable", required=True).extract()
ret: 5:39
